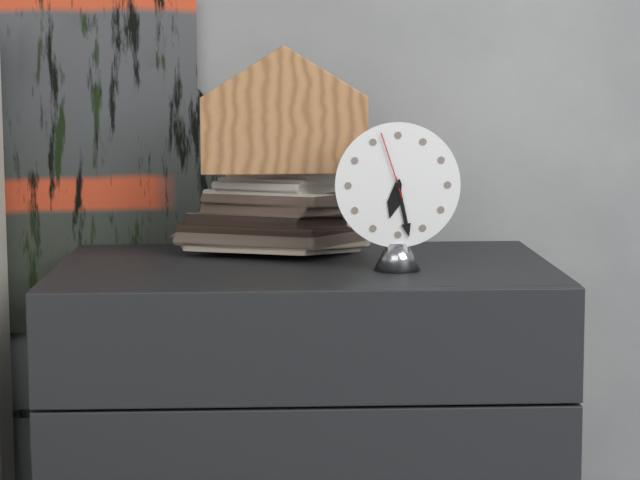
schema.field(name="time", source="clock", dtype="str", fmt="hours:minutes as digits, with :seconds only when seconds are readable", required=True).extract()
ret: 6:28:57
